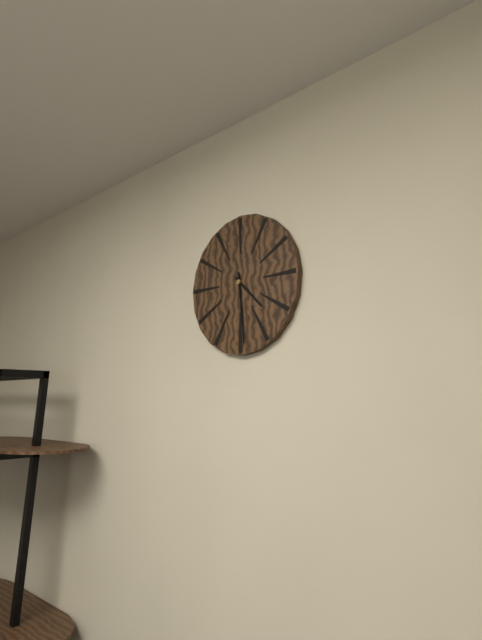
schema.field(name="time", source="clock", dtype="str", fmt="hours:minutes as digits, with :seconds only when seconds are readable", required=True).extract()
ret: 4:29
